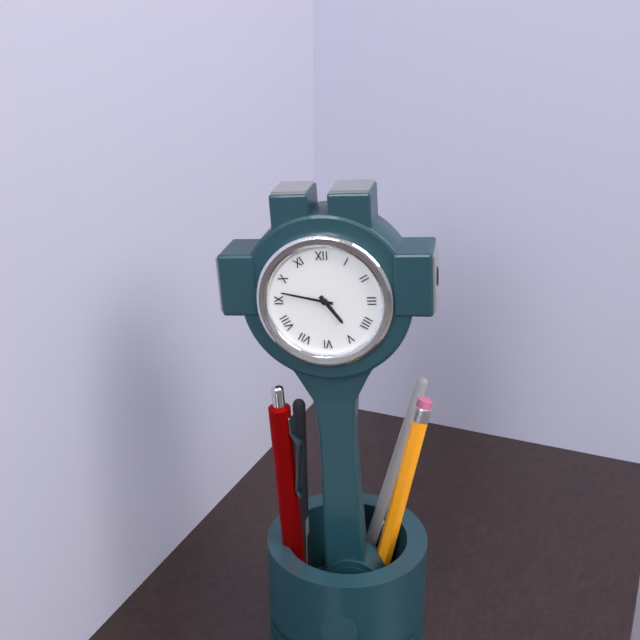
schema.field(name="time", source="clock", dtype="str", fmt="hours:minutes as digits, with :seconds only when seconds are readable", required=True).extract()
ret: 4:47
